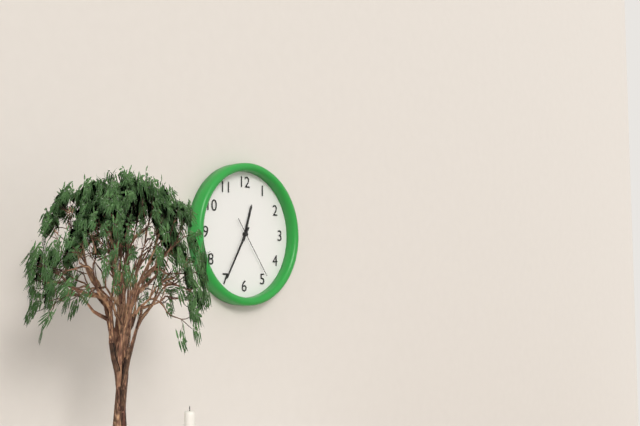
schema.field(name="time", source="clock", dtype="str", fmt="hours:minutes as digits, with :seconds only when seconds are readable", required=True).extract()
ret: 12:35:24
